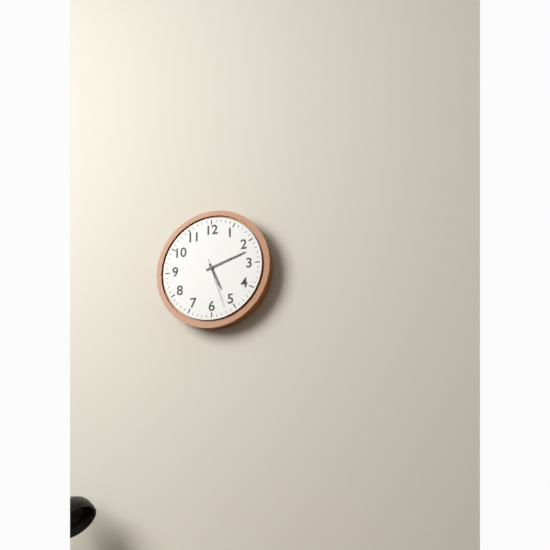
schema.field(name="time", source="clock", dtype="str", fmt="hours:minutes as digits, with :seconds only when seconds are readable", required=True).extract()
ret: 5:12:27
